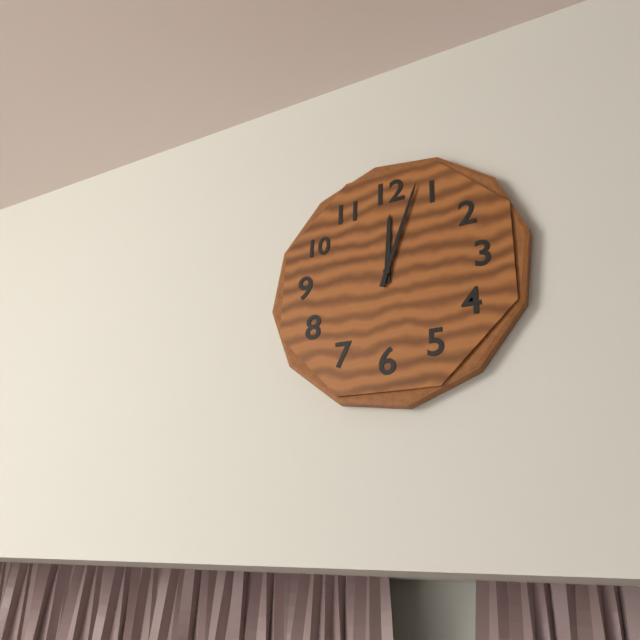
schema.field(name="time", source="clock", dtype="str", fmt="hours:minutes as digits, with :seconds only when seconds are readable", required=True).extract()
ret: 12:03
